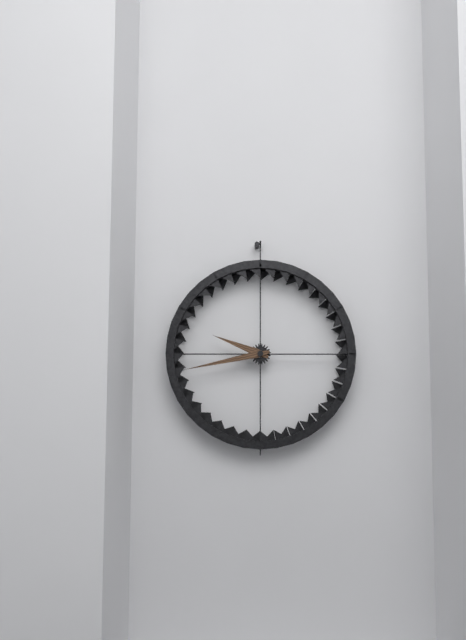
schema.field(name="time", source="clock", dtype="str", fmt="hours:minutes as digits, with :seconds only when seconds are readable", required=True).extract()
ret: 9:43
